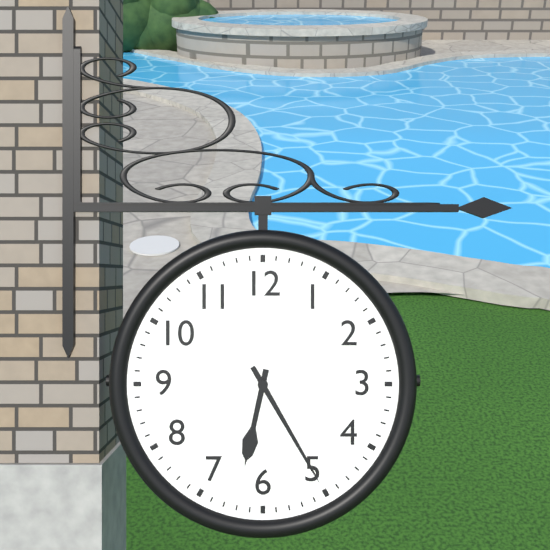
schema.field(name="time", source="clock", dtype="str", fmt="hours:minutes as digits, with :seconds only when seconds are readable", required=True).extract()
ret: 6:25
